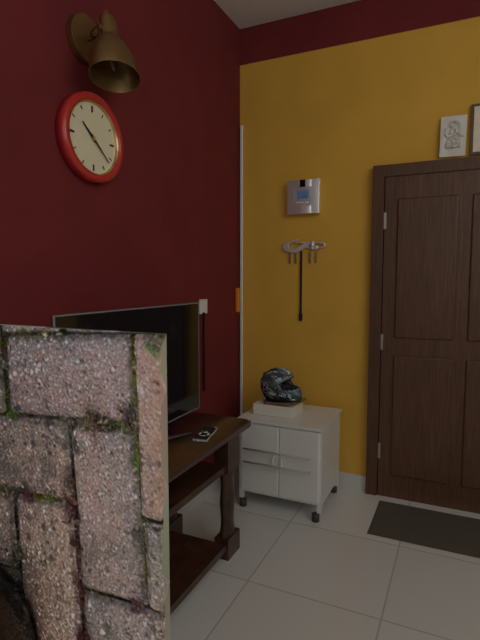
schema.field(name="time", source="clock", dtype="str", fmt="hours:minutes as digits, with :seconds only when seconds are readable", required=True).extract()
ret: 10:22
